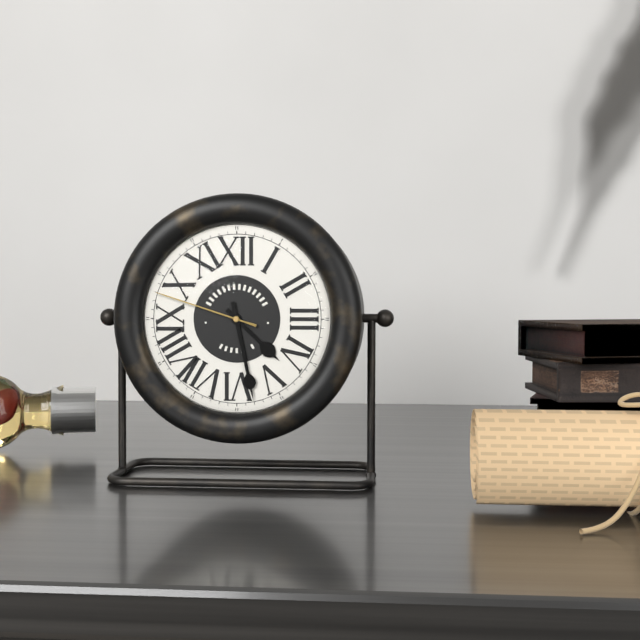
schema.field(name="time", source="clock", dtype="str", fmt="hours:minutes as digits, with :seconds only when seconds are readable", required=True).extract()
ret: 4:28:48
